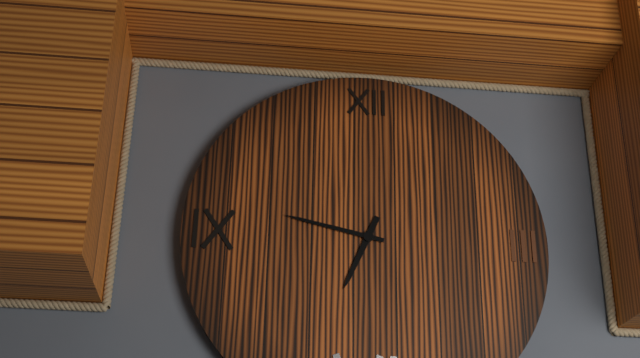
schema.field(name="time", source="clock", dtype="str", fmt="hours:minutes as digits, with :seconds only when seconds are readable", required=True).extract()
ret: 6:47
